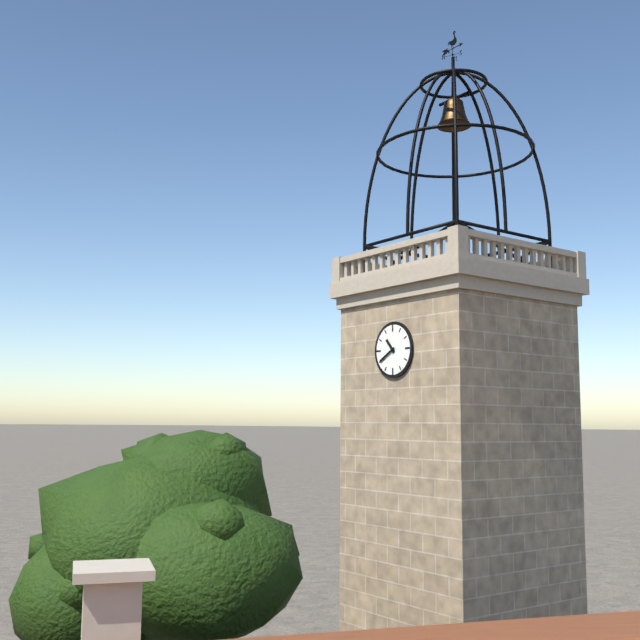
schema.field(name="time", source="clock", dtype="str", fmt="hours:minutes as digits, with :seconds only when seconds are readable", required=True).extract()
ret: 10:40
